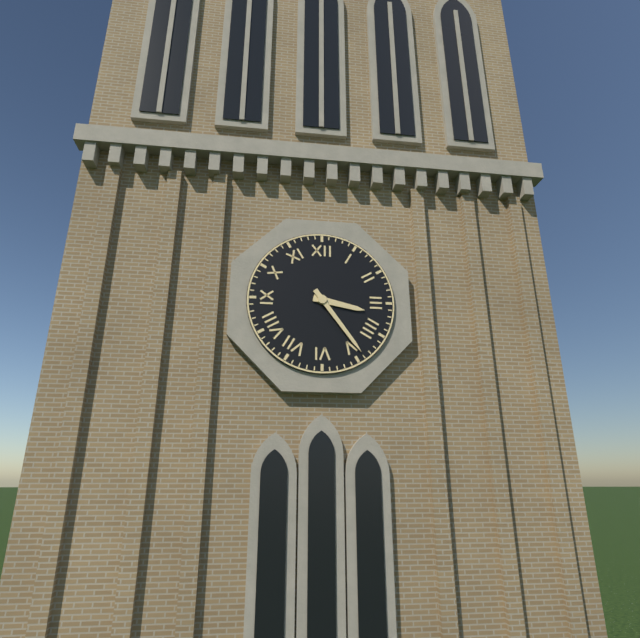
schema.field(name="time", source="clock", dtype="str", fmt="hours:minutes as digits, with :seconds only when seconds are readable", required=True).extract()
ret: 3:24
